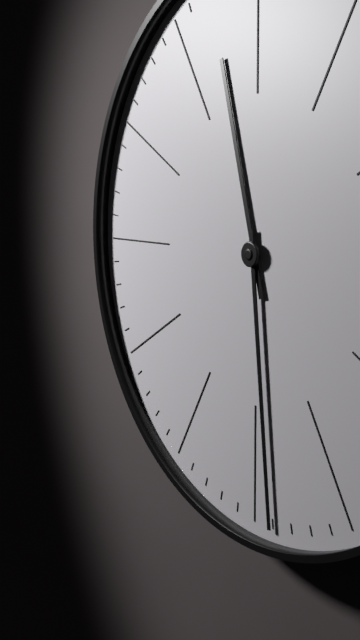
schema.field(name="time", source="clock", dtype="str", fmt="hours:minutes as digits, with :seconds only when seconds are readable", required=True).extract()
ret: 11:29
